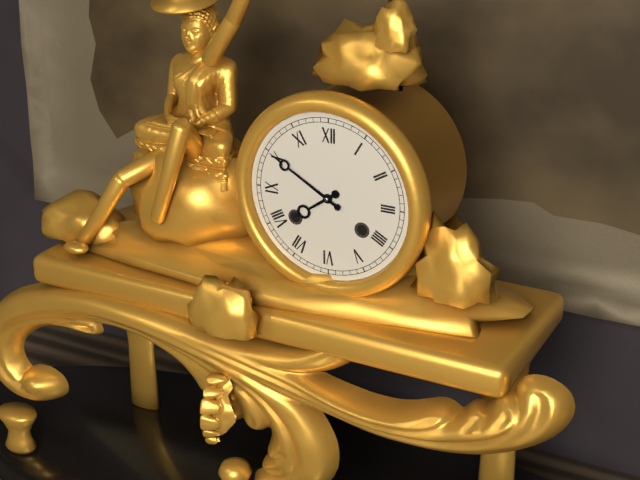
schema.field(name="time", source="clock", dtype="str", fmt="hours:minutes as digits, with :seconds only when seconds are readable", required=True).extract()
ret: 7:50
